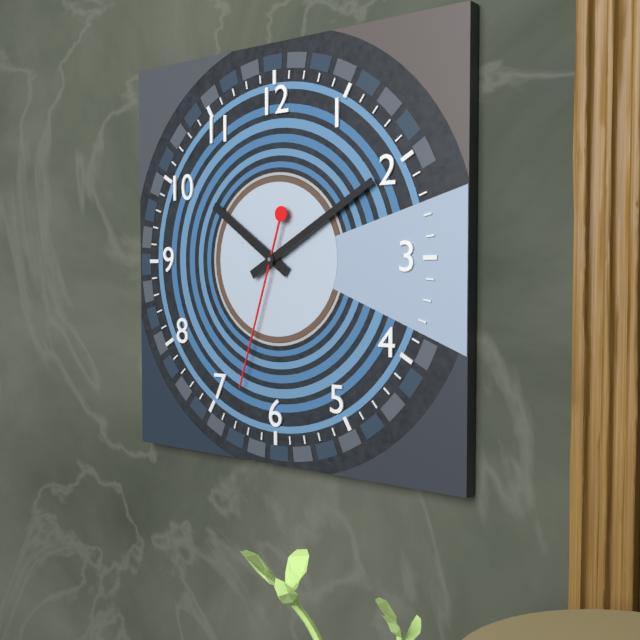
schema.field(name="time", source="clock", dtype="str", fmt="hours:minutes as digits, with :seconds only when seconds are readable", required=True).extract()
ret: 10:10:33
